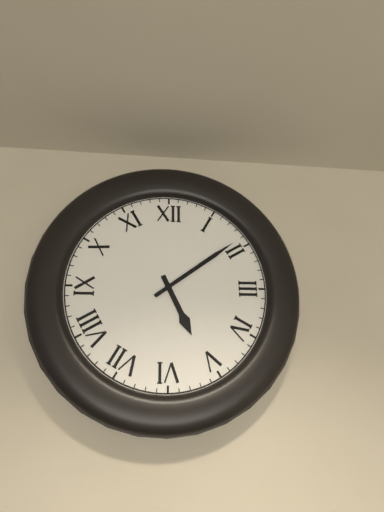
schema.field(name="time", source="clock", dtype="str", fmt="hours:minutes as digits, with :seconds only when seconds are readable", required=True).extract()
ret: 5:09
